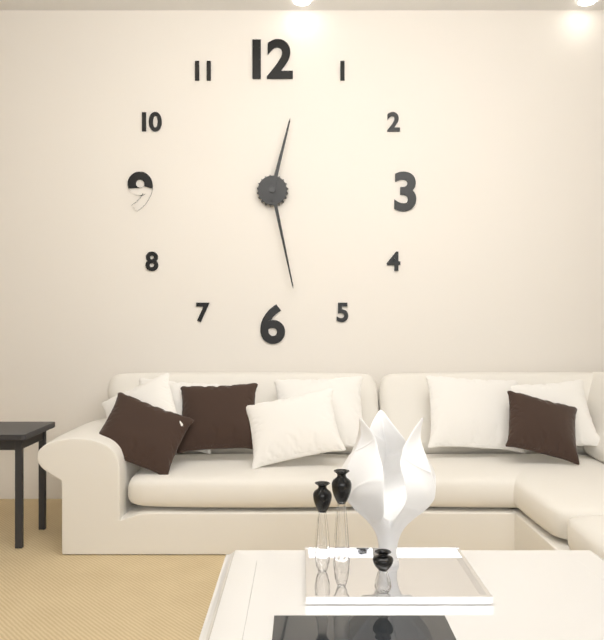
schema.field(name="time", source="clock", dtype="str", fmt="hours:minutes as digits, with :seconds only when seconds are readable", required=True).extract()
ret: 12:28
